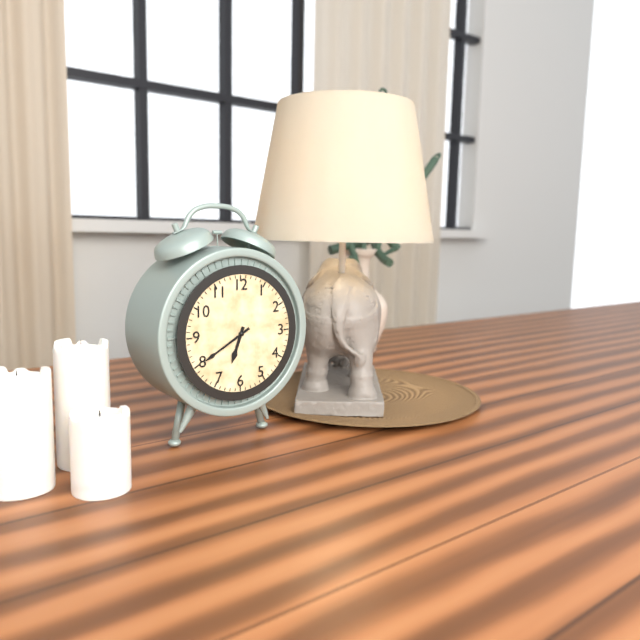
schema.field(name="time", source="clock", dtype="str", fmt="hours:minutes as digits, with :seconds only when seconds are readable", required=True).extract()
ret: 6:40
